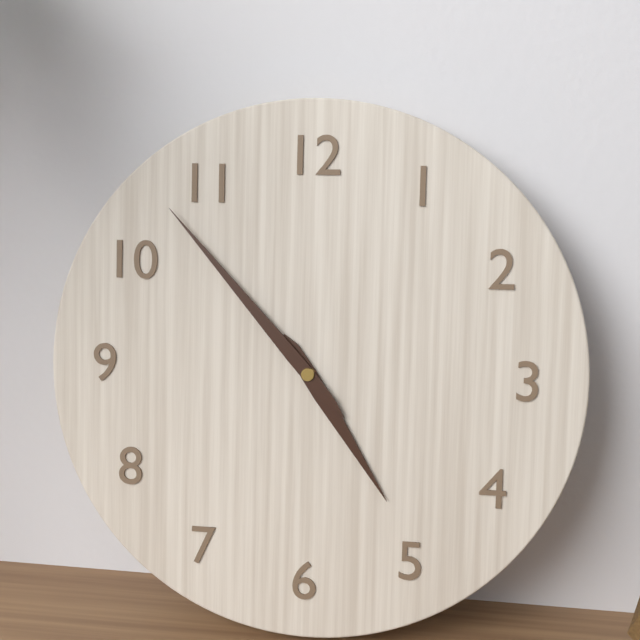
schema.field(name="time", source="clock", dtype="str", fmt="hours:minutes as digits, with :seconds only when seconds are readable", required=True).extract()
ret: 4:53
